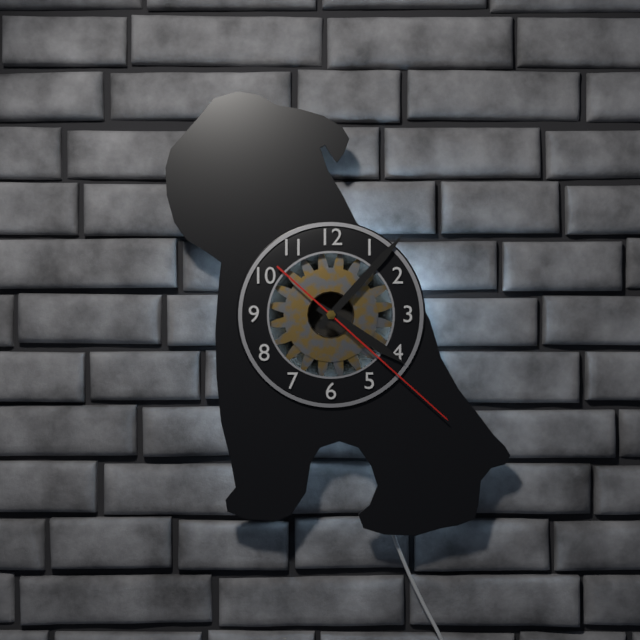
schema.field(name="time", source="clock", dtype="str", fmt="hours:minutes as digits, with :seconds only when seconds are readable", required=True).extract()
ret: 4:07:22
